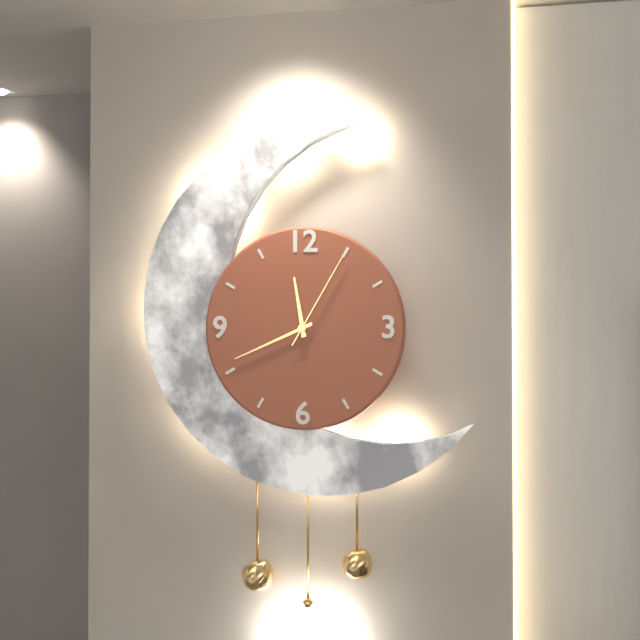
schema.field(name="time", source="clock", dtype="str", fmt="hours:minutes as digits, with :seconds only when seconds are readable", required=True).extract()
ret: 11:41:05
